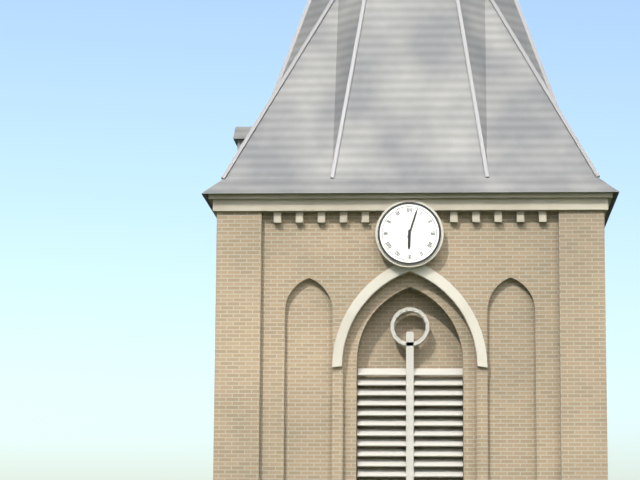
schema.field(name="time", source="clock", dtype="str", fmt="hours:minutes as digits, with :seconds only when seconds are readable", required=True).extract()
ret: 6:03
